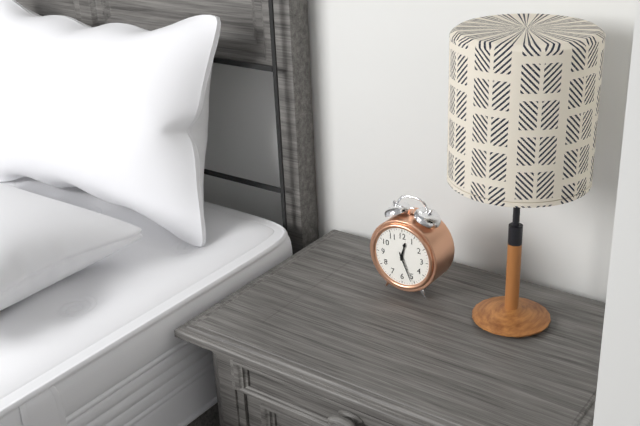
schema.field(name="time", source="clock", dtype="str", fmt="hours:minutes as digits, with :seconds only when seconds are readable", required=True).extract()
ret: 12:26
